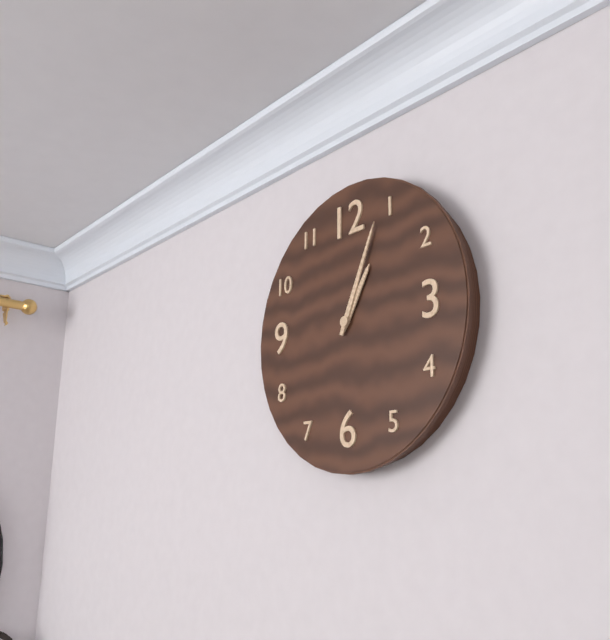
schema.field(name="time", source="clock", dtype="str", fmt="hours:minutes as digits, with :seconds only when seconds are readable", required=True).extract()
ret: 1:04
